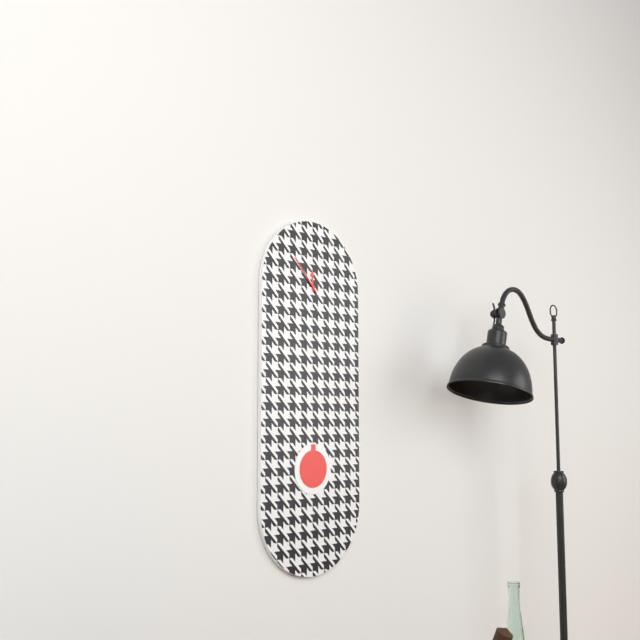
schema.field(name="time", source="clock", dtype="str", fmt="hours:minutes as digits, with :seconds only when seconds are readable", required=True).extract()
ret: 11:53
